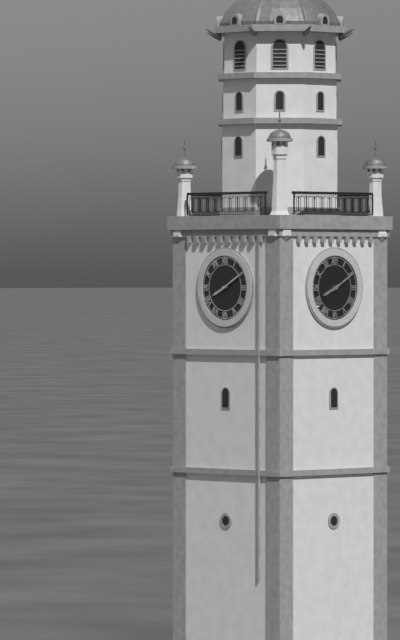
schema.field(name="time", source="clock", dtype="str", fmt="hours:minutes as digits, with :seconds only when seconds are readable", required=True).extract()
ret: 8:10
